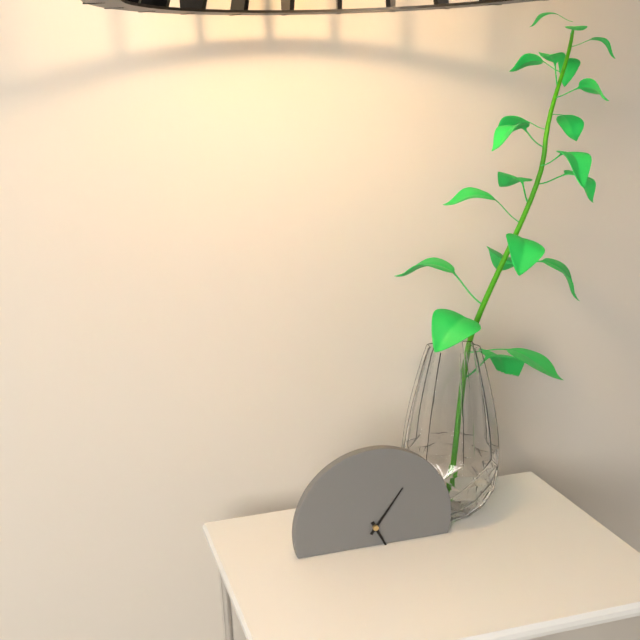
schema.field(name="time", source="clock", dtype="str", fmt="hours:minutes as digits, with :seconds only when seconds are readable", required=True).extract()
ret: 5:06
